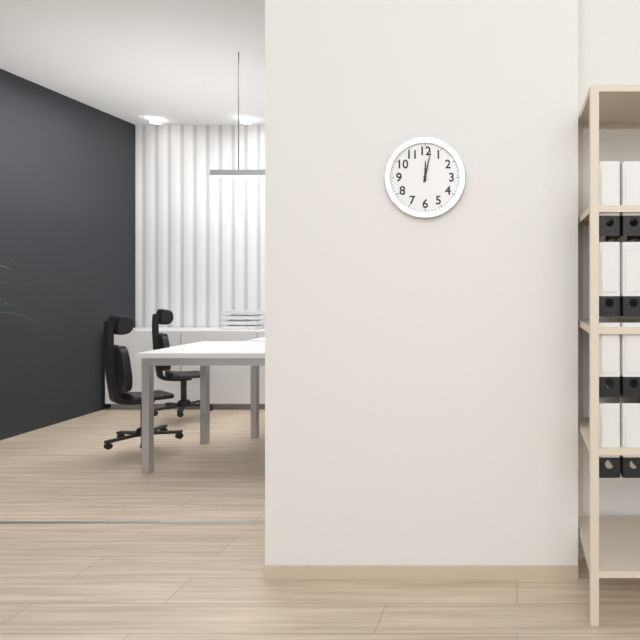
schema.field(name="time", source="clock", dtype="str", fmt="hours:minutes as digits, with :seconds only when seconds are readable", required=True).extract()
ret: 12:02
